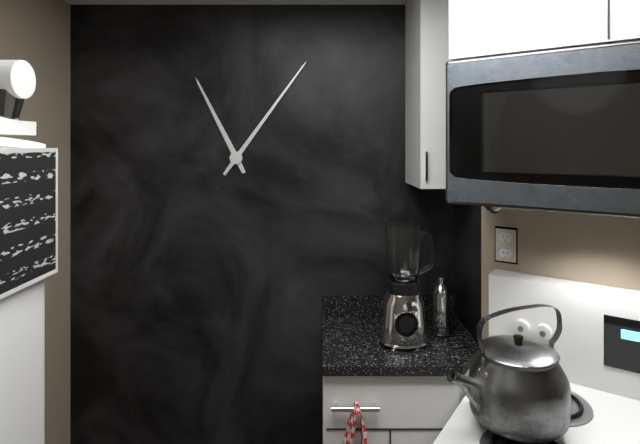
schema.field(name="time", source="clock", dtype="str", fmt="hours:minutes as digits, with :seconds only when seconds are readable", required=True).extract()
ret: 11:06
